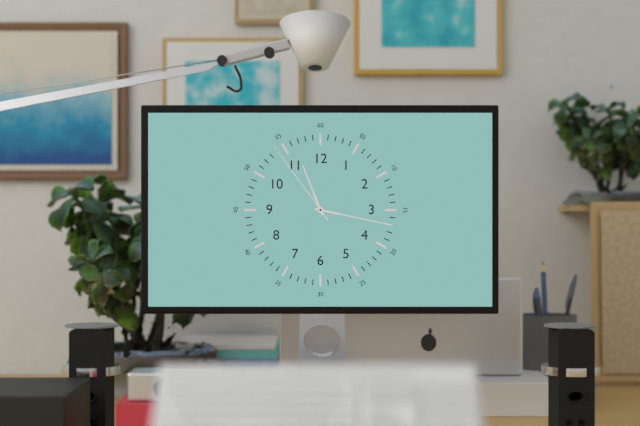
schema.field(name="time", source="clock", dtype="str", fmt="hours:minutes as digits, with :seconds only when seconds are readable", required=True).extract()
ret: 11:17:54
